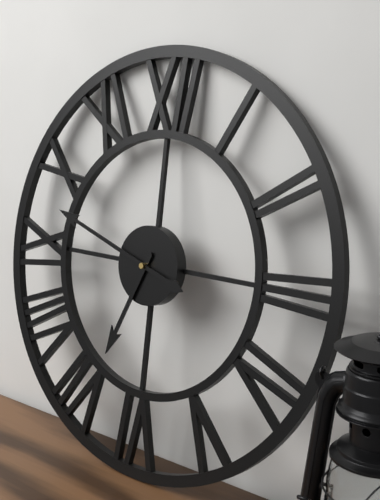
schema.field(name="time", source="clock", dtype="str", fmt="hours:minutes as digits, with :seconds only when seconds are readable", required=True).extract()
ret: 6:48
